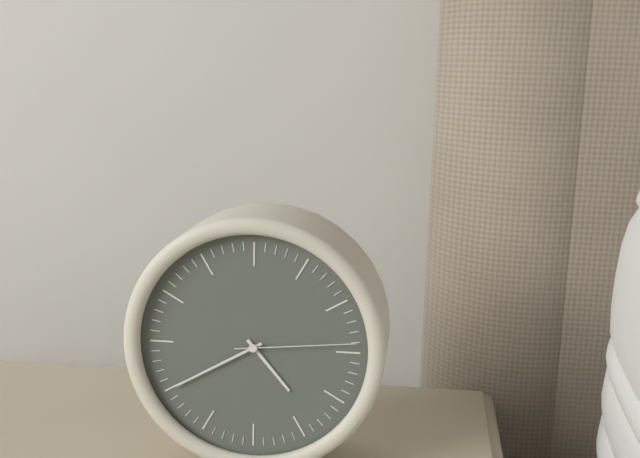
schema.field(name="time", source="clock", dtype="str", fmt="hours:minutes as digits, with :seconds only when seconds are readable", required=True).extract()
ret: 4:40:14
